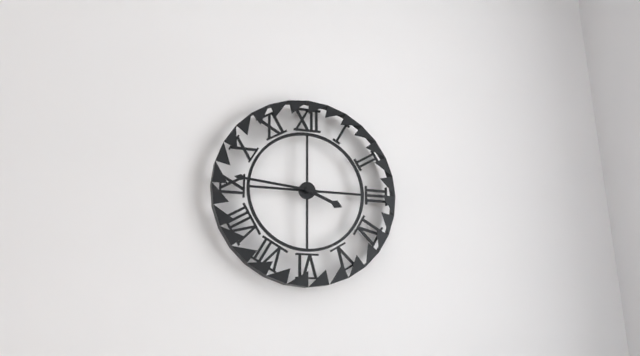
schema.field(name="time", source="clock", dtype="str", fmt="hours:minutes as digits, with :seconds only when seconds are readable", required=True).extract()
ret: 3:46
